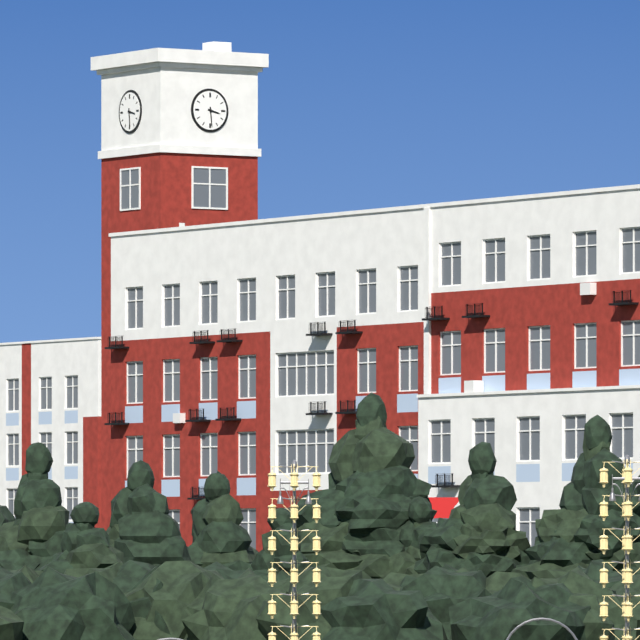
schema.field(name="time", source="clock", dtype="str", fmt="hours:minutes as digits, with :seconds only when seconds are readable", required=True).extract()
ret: 3:29
